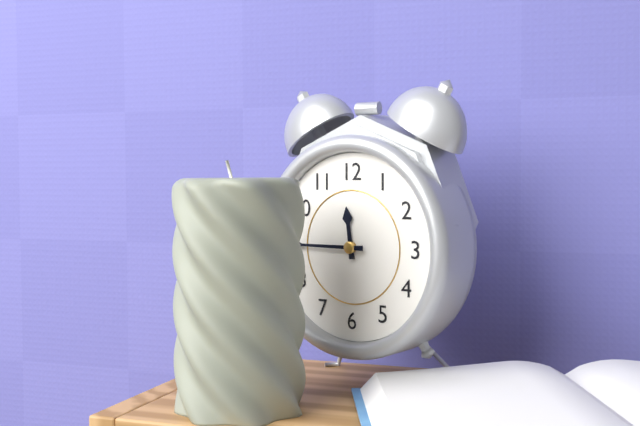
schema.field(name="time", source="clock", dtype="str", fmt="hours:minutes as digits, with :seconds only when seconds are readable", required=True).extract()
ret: 11:45
